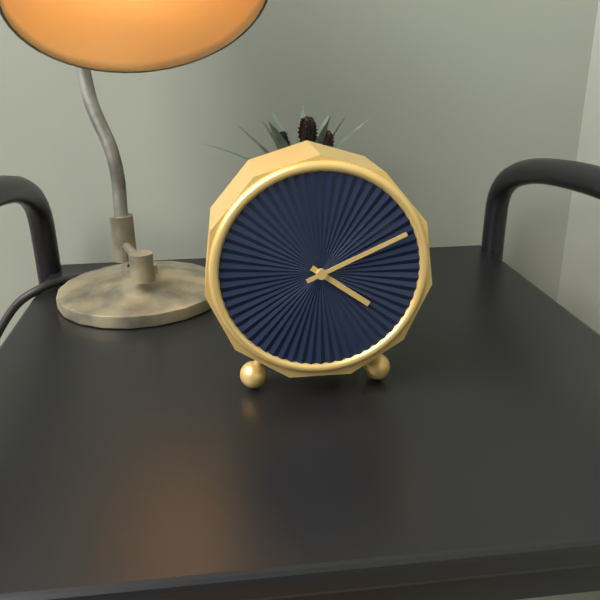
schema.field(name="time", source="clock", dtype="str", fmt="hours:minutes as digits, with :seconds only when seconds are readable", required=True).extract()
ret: 4:11
